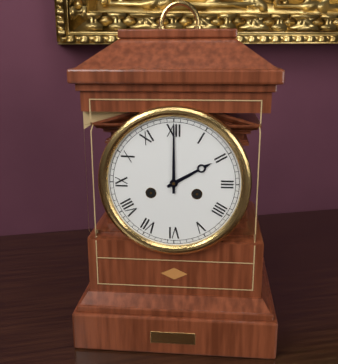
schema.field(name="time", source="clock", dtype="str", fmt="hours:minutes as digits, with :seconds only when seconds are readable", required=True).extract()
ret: 2:00
